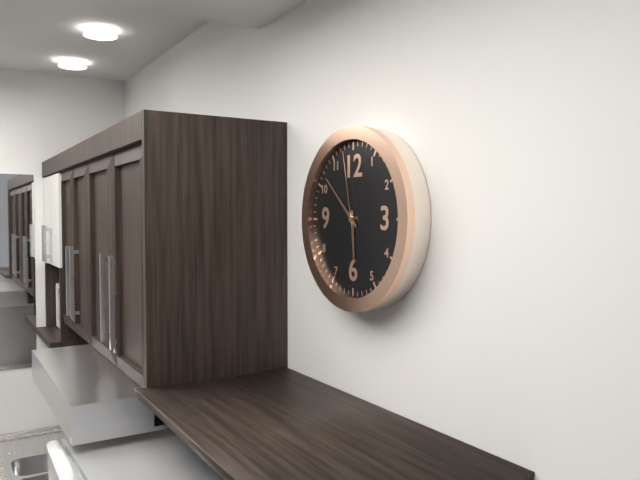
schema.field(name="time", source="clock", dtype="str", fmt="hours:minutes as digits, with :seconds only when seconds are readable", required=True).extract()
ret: 5:52:58
